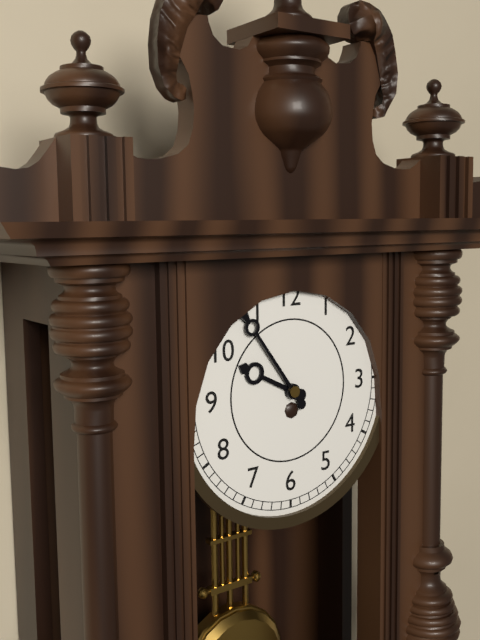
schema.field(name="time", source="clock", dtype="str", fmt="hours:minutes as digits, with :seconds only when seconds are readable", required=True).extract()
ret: 9:54
